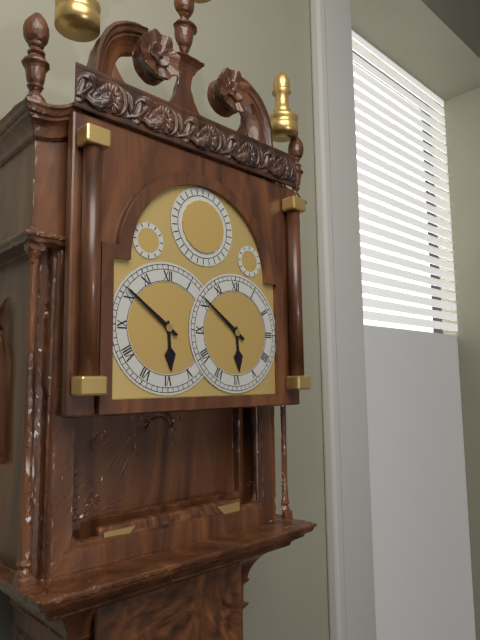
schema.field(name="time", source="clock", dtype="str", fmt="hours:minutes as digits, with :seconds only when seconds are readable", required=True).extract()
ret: 5:51
